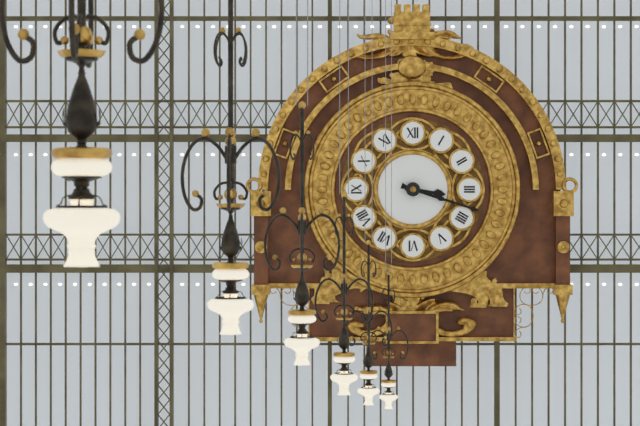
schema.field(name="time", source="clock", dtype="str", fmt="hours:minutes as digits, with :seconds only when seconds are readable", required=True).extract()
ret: 3:18
